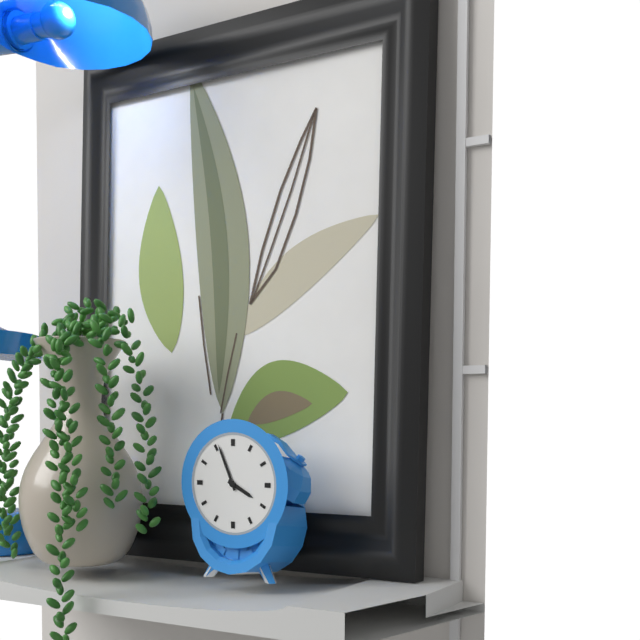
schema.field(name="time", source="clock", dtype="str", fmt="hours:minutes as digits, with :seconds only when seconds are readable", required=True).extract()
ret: 3:56
